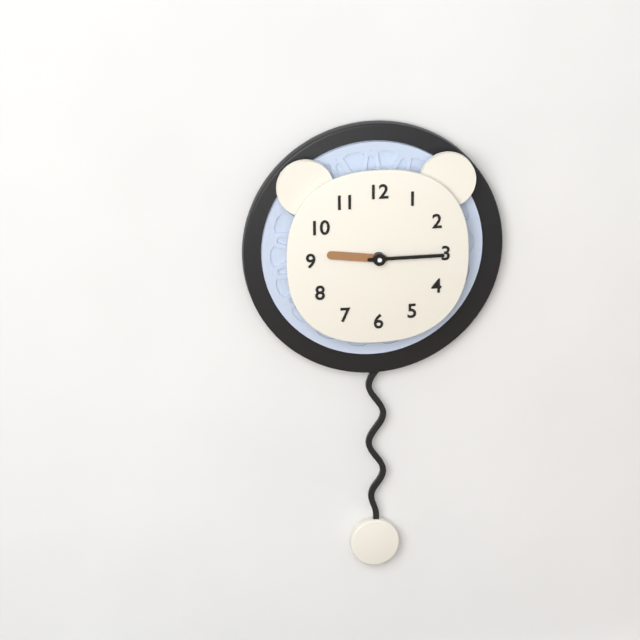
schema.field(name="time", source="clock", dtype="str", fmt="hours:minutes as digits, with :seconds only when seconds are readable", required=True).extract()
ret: 9:15
